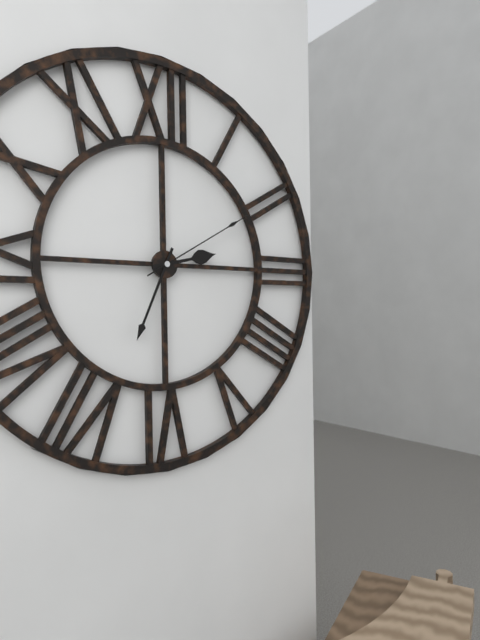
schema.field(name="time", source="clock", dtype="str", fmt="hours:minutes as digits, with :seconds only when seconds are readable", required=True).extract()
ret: 2:34:10
